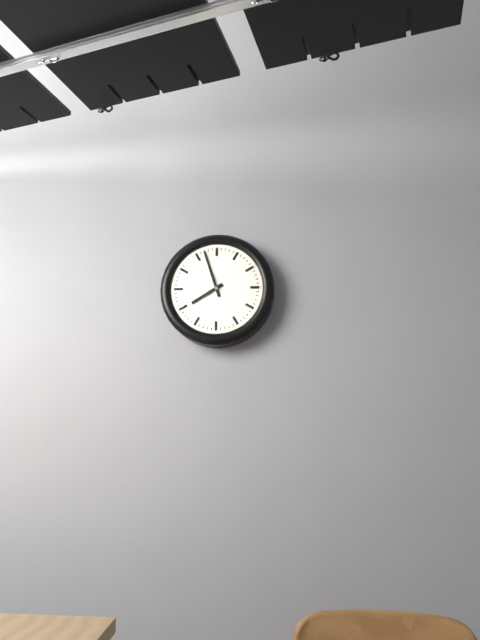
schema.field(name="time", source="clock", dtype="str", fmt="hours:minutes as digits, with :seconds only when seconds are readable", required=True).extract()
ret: 7:57
